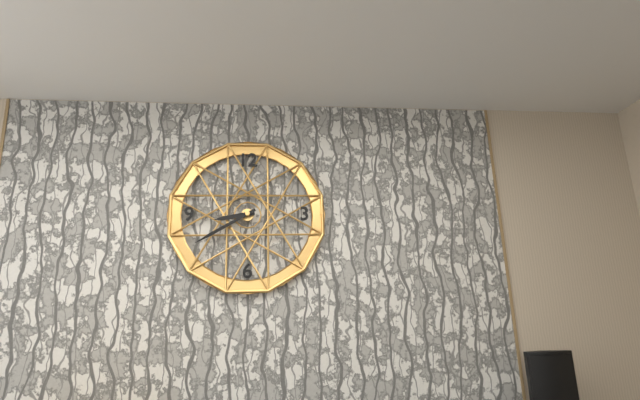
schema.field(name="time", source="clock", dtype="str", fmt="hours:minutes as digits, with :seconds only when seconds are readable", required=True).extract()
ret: 8:40
